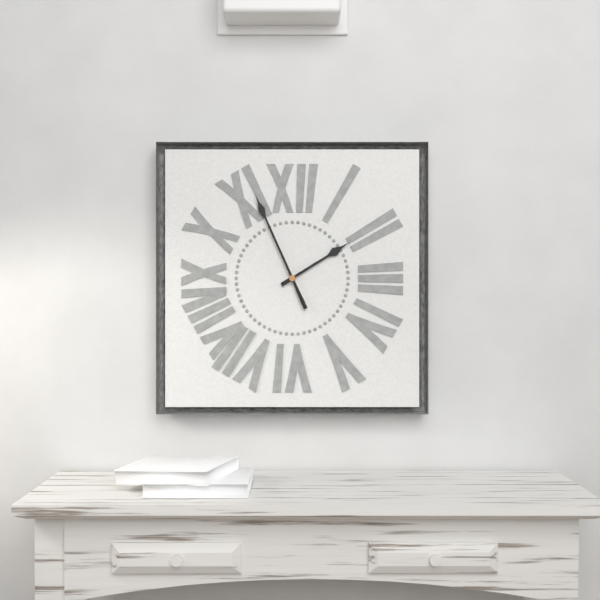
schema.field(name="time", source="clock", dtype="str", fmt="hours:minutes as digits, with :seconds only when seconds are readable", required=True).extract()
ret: 1:56
